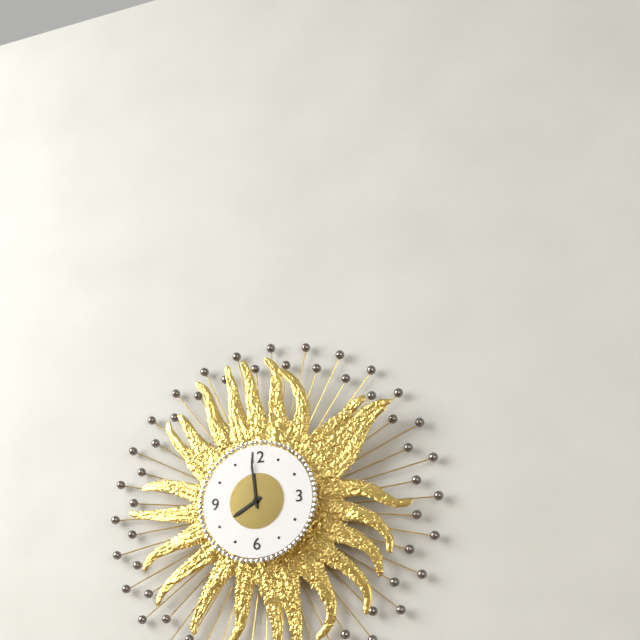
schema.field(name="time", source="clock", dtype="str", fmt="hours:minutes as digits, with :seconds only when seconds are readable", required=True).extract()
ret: 7:59
